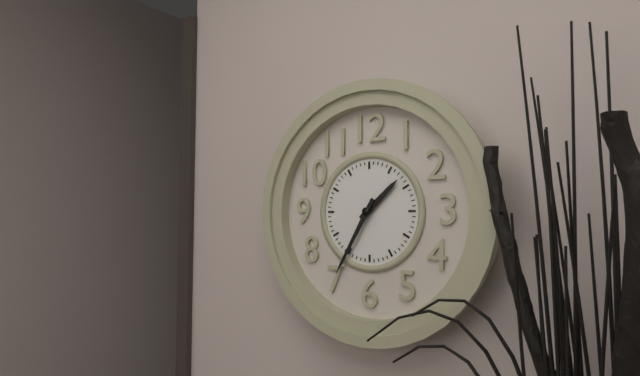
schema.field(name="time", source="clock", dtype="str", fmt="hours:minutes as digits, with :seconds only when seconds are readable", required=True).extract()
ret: 1:35
